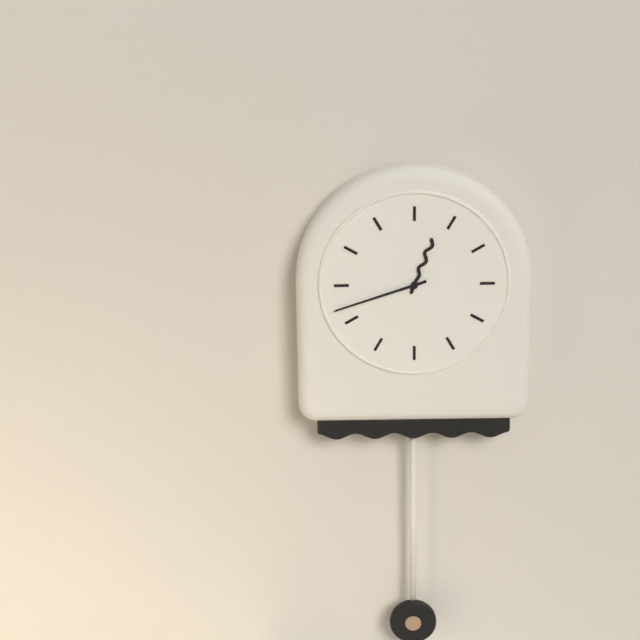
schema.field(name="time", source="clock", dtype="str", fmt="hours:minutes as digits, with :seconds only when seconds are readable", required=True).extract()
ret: 12:42
